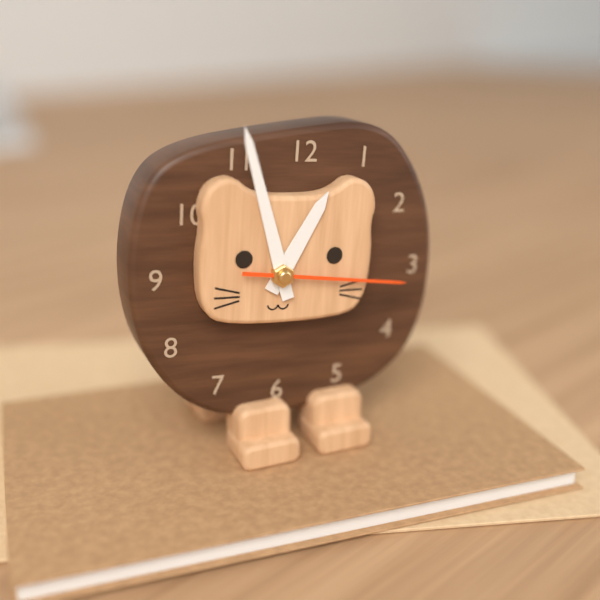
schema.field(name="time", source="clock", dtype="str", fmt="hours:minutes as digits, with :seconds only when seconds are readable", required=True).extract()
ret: 12:57:16
